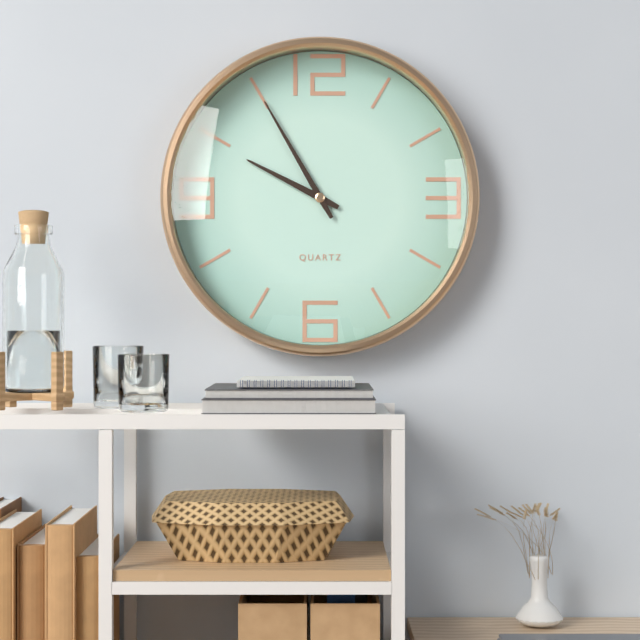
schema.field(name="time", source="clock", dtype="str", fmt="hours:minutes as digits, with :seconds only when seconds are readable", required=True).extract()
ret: 9:55
